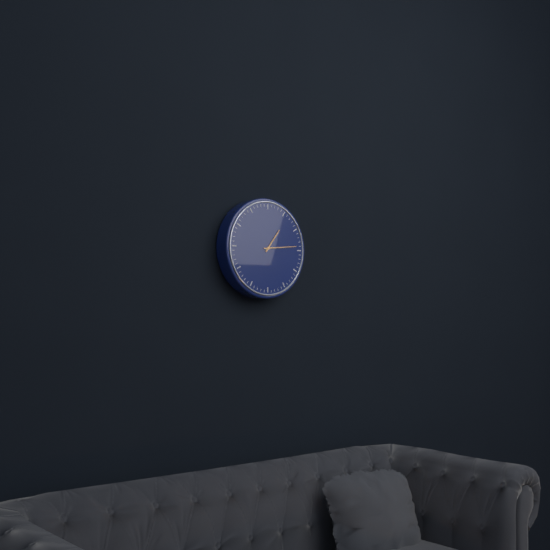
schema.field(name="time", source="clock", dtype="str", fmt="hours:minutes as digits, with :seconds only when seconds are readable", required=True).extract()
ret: 1:14
